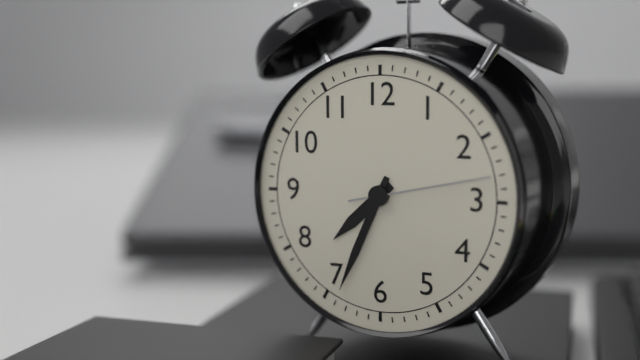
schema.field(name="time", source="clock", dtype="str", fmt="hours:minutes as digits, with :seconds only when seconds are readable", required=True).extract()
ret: 7:34:13
